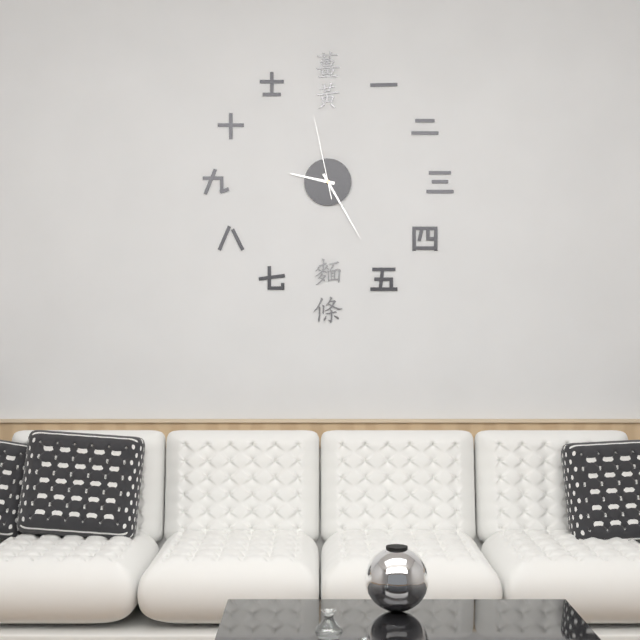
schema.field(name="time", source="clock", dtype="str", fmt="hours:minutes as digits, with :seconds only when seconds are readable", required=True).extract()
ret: 9:25:58
